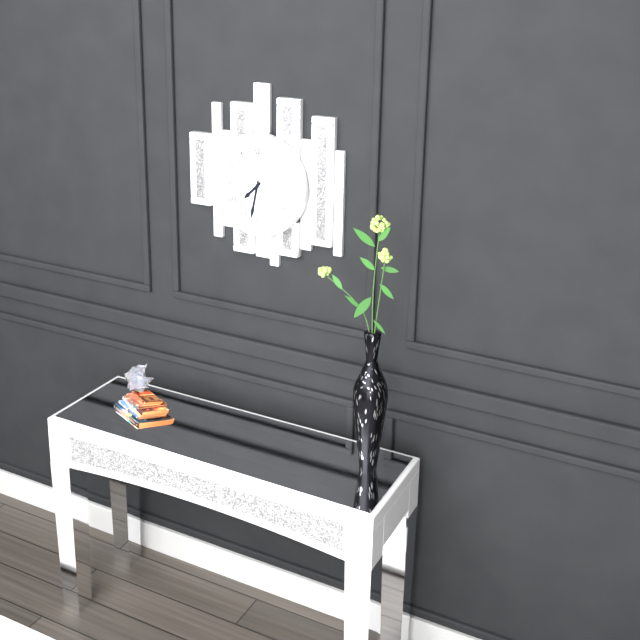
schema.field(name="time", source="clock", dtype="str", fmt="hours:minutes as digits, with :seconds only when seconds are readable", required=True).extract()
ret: 7:32
